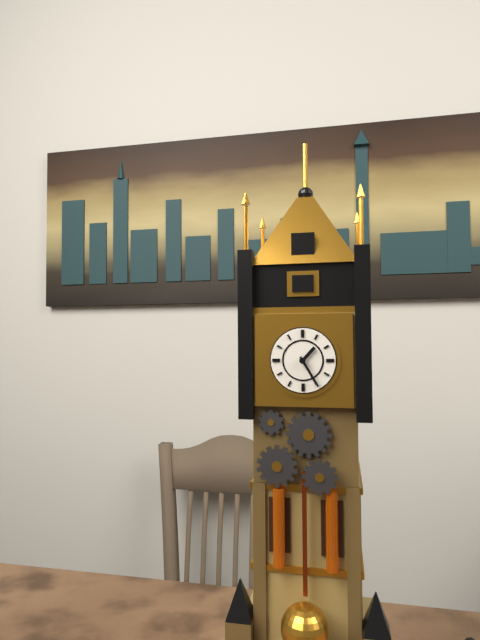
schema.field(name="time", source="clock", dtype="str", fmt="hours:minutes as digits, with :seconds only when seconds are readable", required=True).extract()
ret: 1:25
